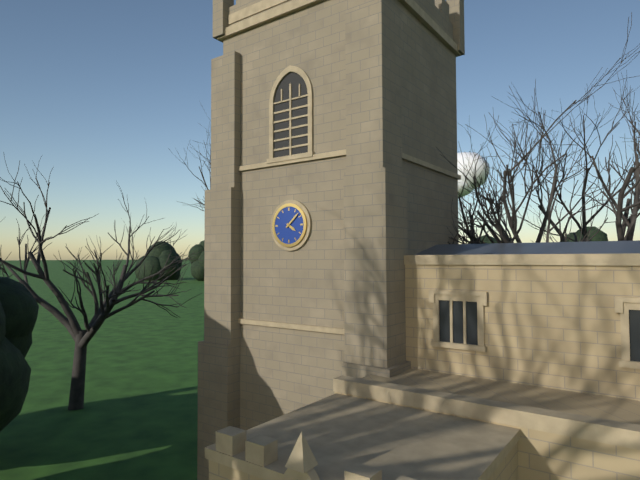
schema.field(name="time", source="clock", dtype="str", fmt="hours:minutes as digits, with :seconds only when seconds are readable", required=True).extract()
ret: 4:08
